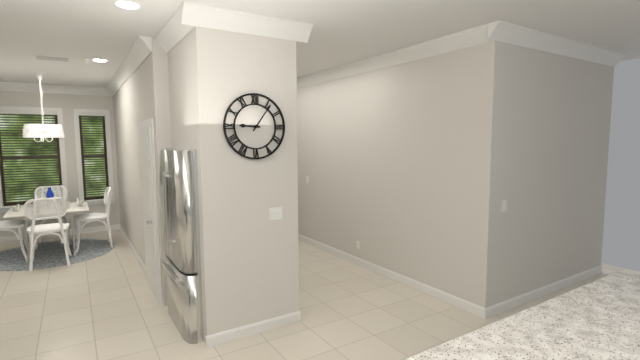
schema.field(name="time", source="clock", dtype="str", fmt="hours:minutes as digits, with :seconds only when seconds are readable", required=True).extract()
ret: 9:06
